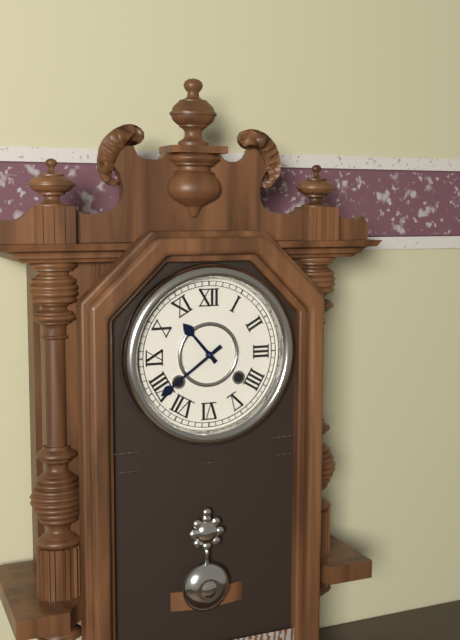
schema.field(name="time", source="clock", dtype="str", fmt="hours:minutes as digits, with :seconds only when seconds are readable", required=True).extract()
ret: 10:39
